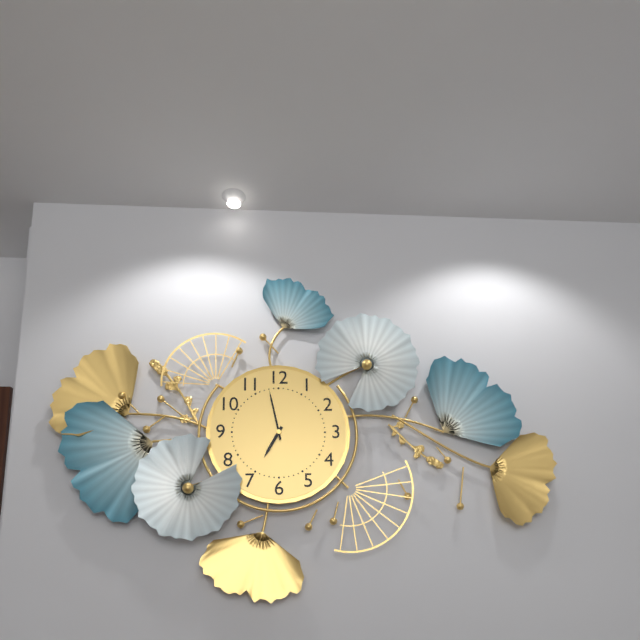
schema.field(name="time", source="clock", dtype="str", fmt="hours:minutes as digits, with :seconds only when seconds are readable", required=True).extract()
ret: 6:58
